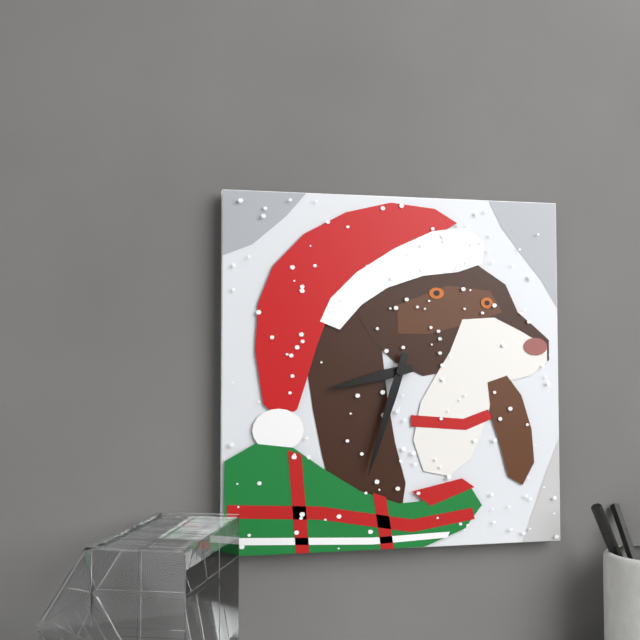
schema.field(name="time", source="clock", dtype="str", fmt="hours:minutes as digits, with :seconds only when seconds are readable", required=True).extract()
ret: 8:33
